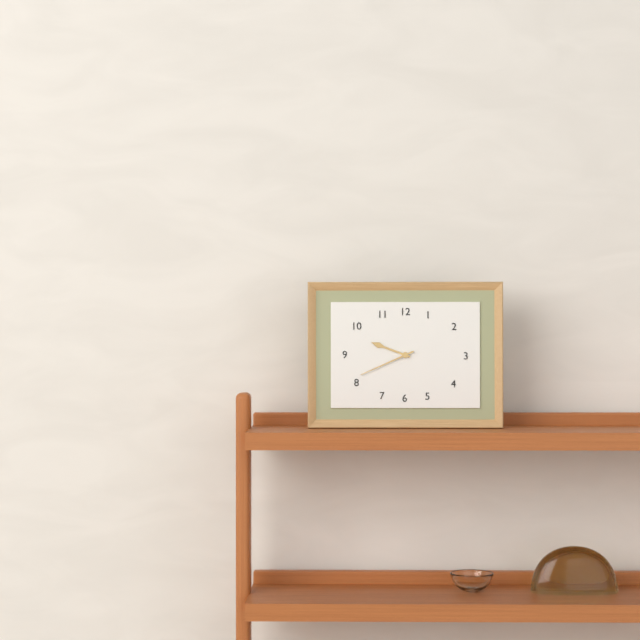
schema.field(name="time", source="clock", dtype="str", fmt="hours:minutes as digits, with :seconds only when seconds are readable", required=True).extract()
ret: 9:41
